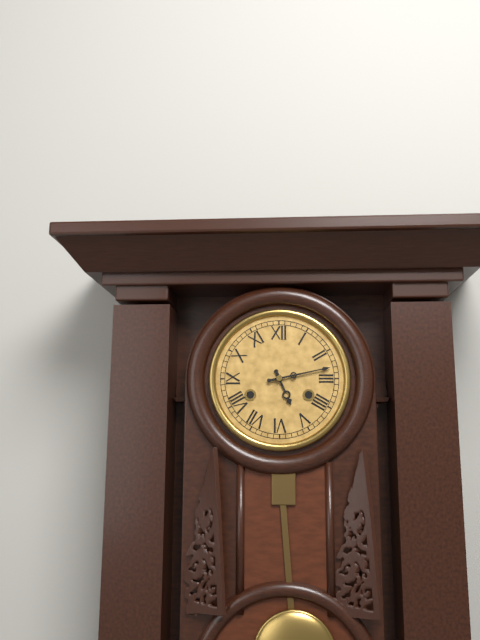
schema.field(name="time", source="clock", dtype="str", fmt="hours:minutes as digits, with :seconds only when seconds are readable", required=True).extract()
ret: 5:13
